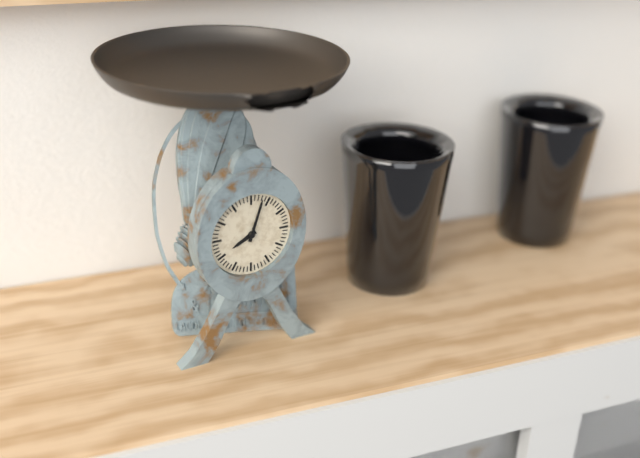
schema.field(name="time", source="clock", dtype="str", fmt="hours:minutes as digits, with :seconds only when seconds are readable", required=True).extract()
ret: 8:03
